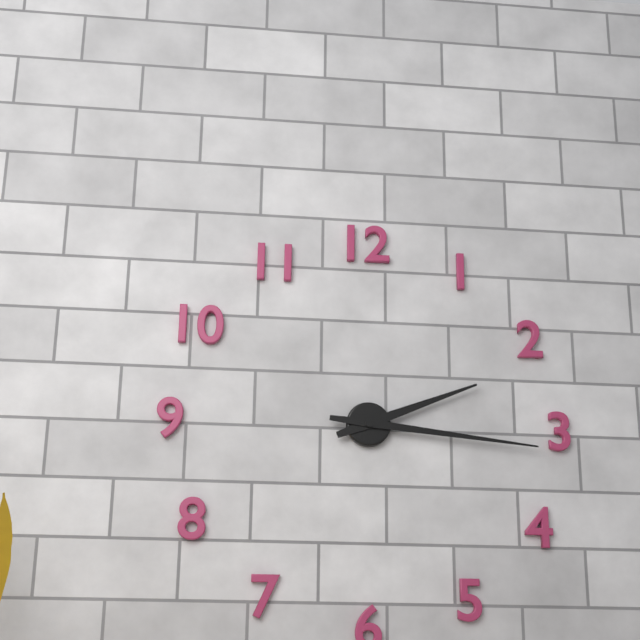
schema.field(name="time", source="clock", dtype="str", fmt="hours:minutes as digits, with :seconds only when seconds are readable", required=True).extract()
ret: 2:16
